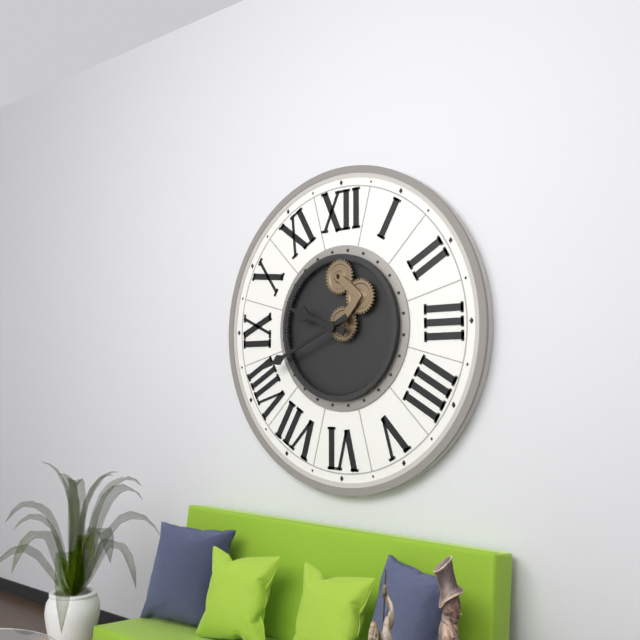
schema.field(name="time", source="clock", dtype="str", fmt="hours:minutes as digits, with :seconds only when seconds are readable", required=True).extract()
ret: 9:41
